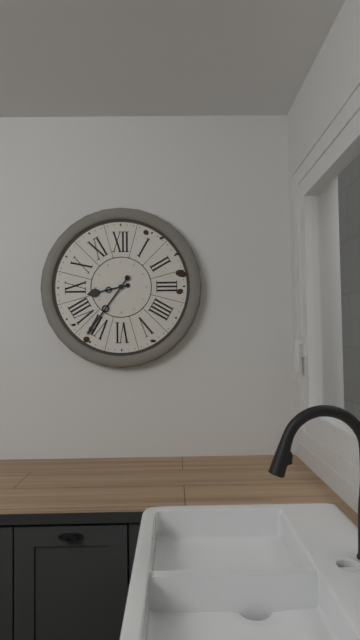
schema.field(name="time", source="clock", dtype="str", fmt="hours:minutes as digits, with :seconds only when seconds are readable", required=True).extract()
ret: 8:36
